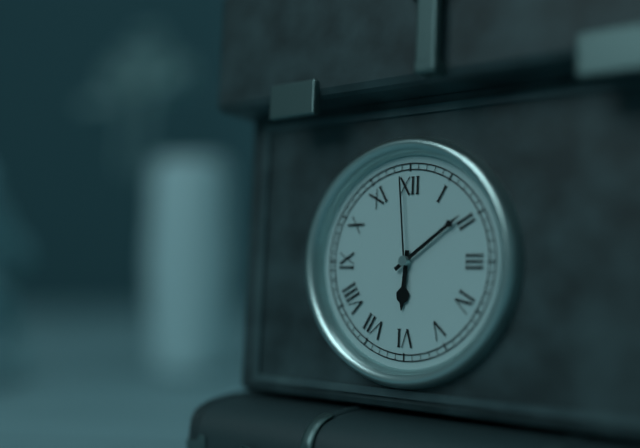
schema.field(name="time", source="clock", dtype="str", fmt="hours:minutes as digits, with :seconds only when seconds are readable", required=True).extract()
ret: 6:09:59
